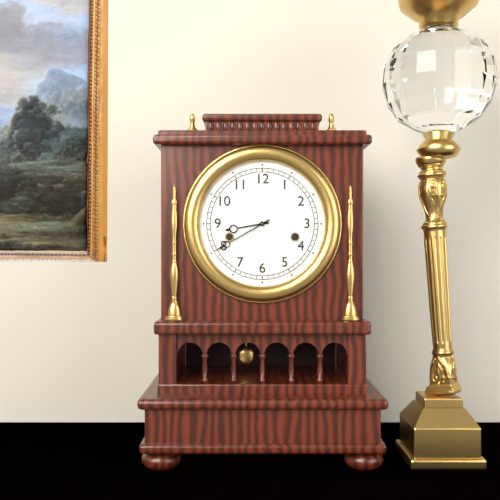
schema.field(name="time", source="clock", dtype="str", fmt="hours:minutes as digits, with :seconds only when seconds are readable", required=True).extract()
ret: 8:40
